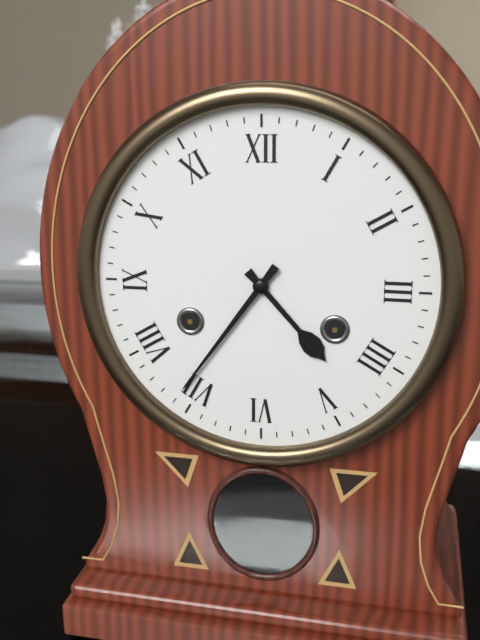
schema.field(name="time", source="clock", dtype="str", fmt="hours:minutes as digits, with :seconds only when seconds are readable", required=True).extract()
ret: 4:36
